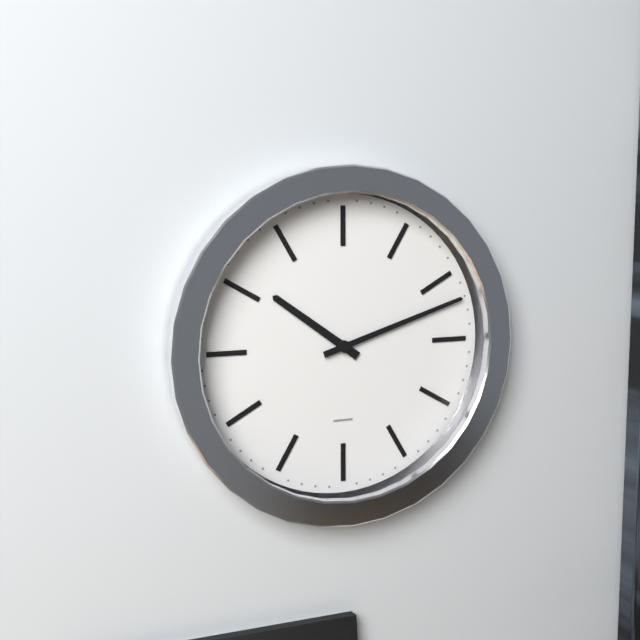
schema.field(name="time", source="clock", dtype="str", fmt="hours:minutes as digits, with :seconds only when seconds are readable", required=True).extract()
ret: 10:12
